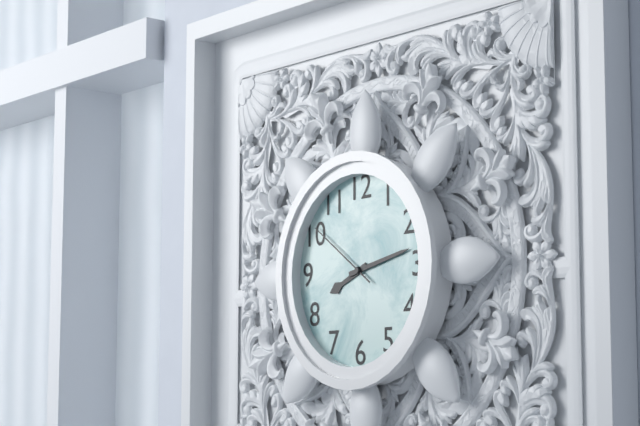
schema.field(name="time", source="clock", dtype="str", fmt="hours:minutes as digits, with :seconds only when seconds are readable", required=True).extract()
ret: 8:13:51
